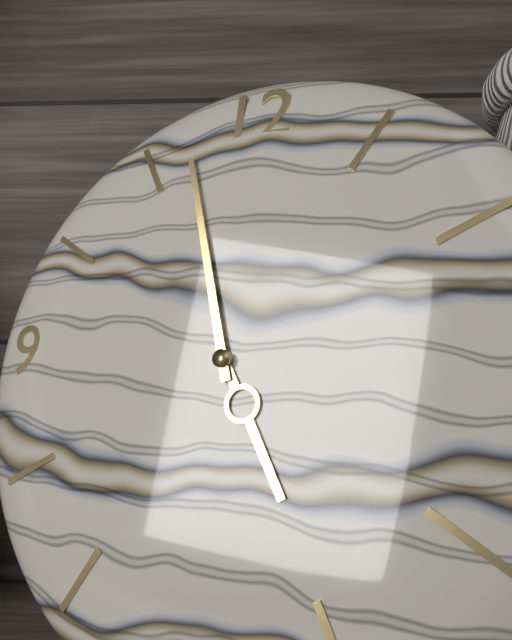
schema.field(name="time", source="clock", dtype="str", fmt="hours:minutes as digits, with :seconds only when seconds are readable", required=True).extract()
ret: 4:57
